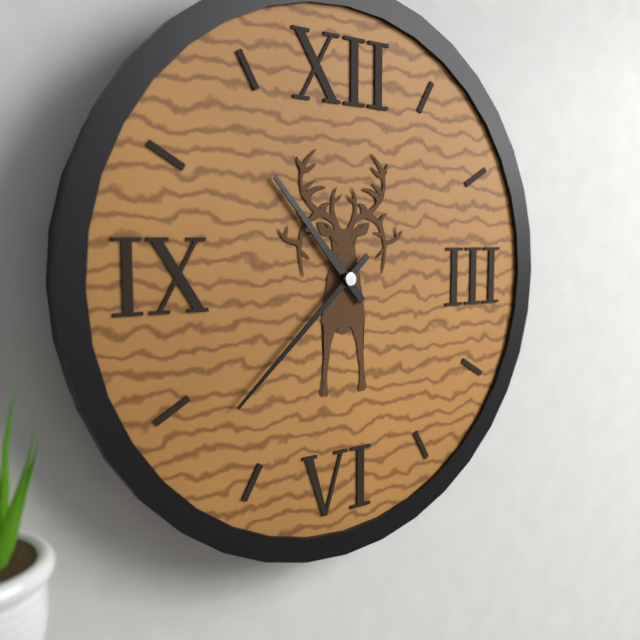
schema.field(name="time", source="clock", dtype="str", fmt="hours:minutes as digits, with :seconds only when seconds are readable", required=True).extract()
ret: 10:38
